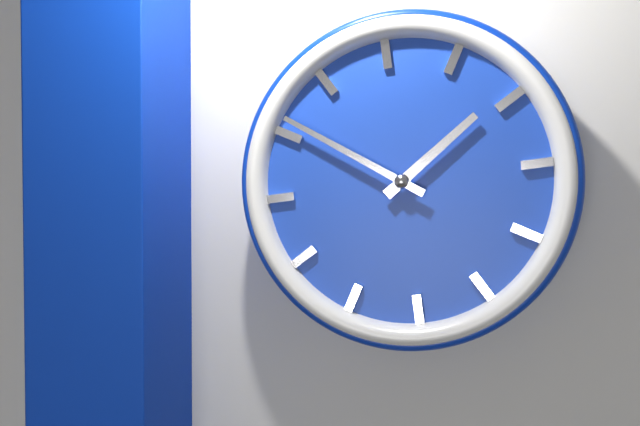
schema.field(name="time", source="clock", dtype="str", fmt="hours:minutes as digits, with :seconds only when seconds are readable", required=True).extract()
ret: 1:51
